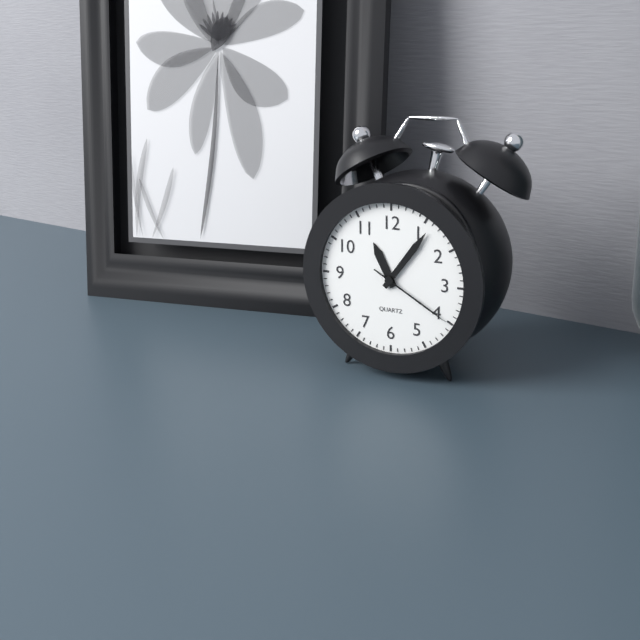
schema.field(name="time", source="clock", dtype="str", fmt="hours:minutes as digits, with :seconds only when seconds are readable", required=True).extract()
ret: 11:06:20
